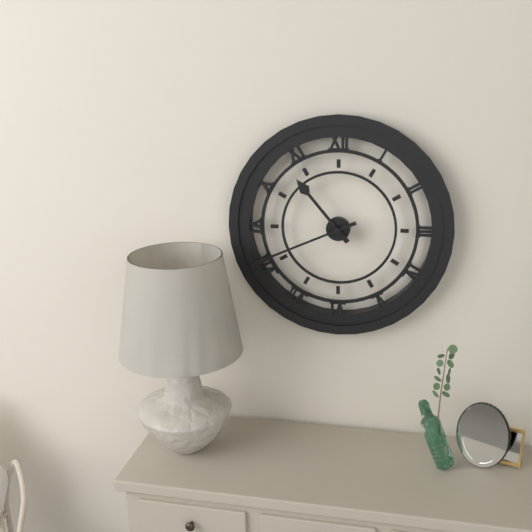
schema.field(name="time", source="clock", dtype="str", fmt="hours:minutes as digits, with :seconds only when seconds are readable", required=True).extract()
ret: 10:41
